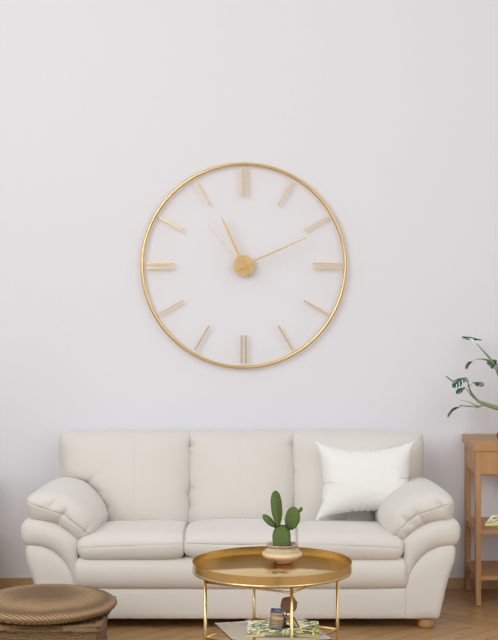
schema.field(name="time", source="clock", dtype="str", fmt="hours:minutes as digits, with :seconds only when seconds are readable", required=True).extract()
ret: 11:11:53
